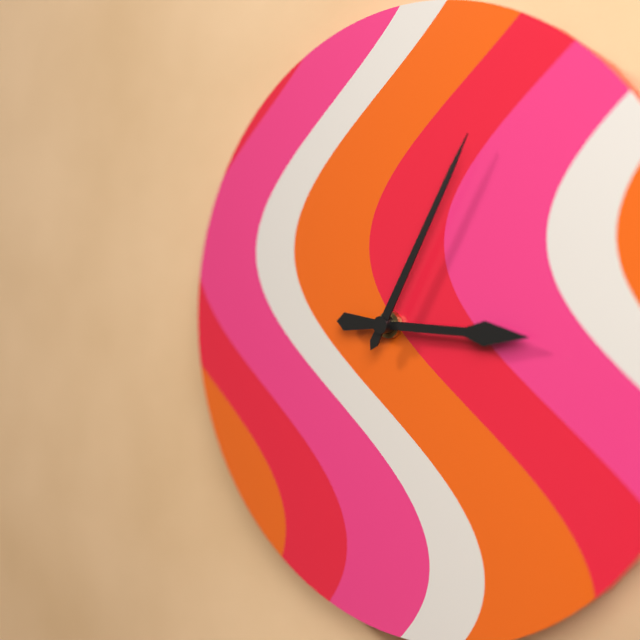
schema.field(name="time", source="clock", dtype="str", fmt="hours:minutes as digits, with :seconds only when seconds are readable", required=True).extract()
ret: 3:05
